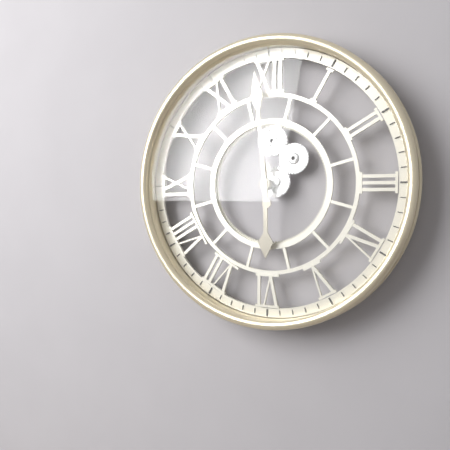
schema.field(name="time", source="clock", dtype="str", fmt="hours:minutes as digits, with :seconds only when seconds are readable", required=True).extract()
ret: 5:59
